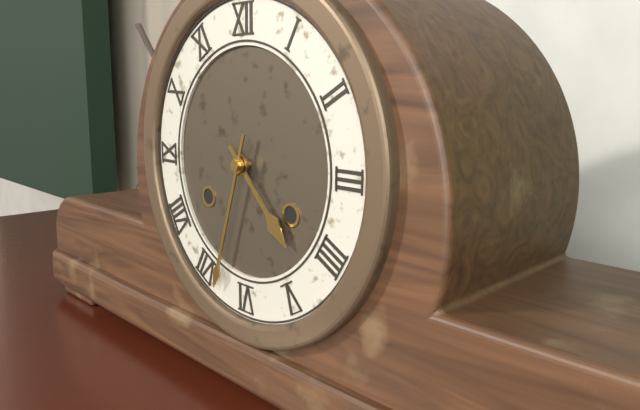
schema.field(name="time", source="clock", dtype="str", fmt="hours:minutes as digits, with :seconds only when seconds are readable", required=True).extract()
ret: 4:33
